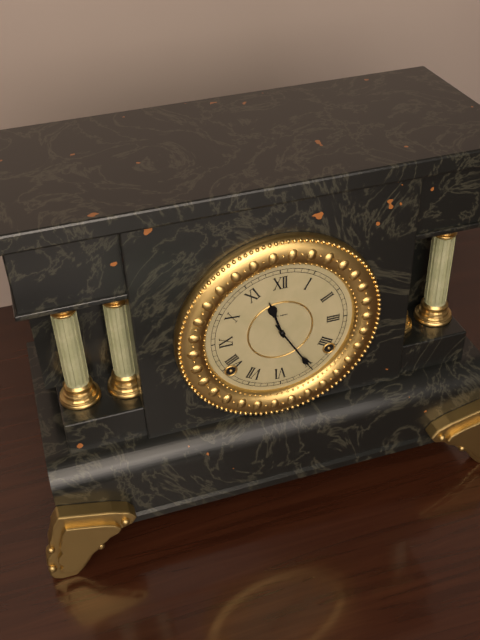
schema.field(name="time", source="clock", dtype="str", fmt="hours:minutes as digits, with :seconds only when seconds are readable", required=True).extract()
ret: 11:25
